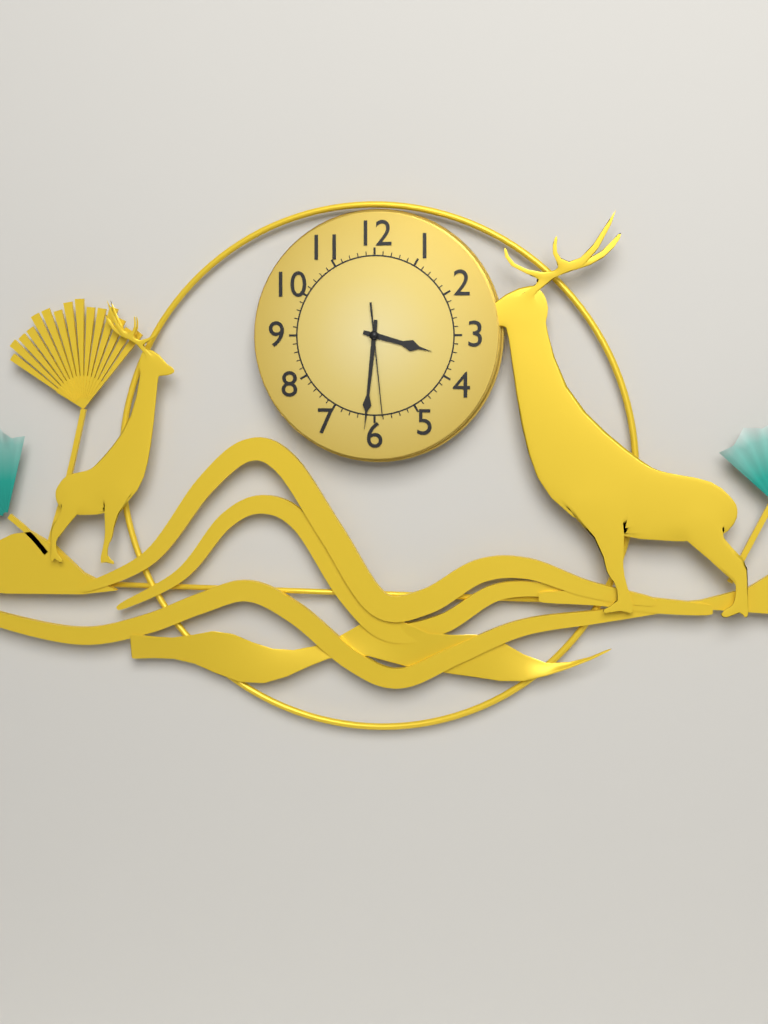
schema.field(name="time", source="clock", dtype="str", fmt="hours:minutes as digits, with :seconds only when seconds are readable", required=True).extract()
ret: 3:31:29
